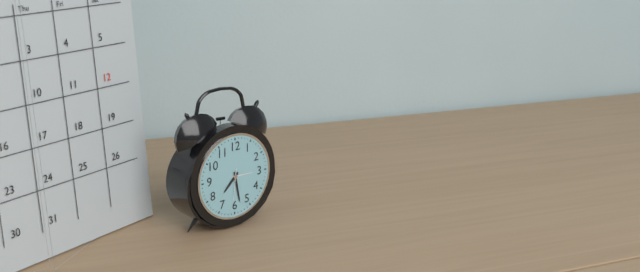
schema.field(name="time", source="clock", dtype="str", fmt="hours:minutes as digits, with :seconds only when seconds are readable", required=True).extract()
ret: 7:28
